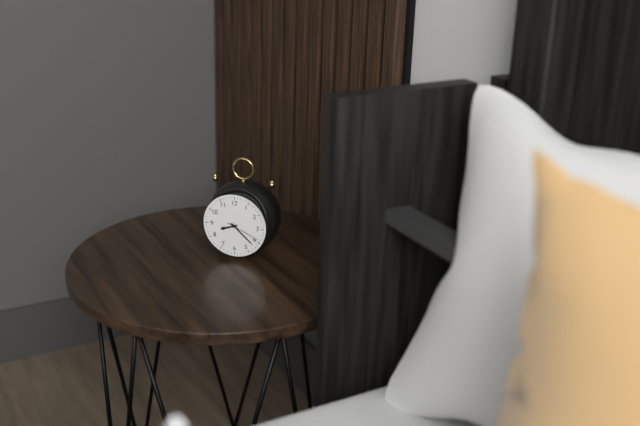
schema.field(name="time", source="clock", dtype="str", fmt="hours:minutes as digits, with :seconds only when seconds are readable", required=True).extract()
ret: 8:22
